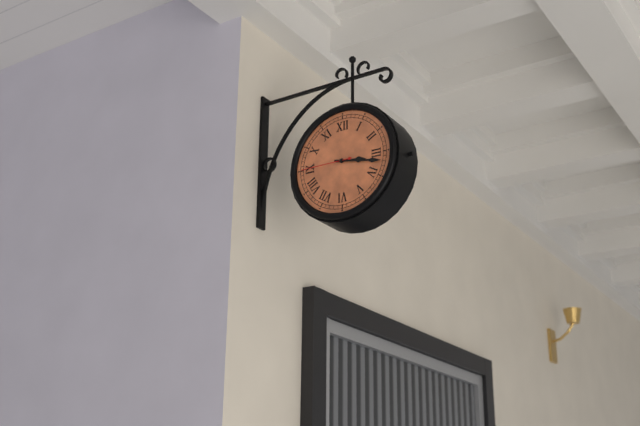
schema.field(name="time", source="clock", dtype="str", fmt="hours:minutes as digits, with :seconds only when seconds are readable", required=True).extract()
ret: 3:17:45
